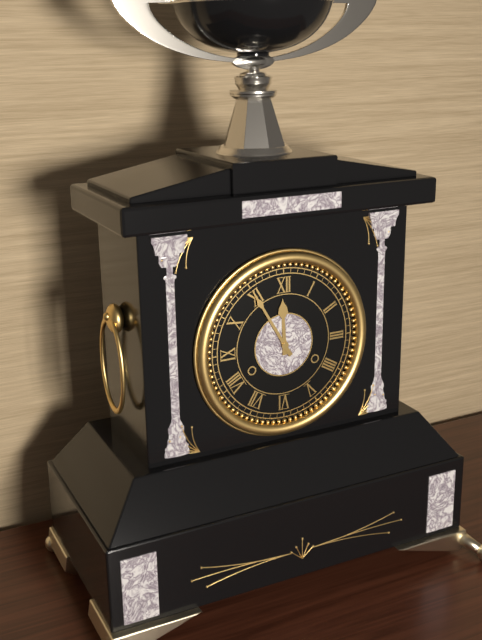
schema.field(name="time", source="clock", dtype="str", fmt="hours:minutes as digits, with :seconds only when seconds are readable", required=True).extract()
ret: 11:55
